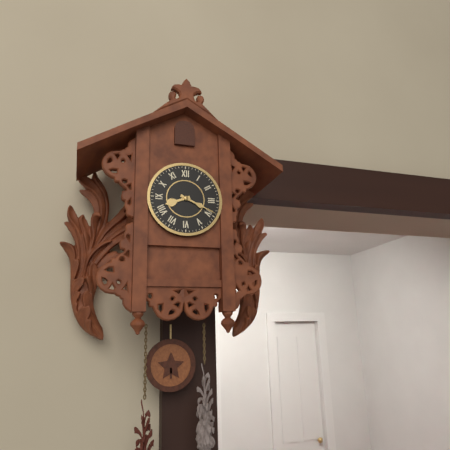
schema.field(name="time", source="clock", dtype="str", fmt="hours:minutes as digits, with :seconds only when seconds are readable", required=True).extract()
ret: 8:19
